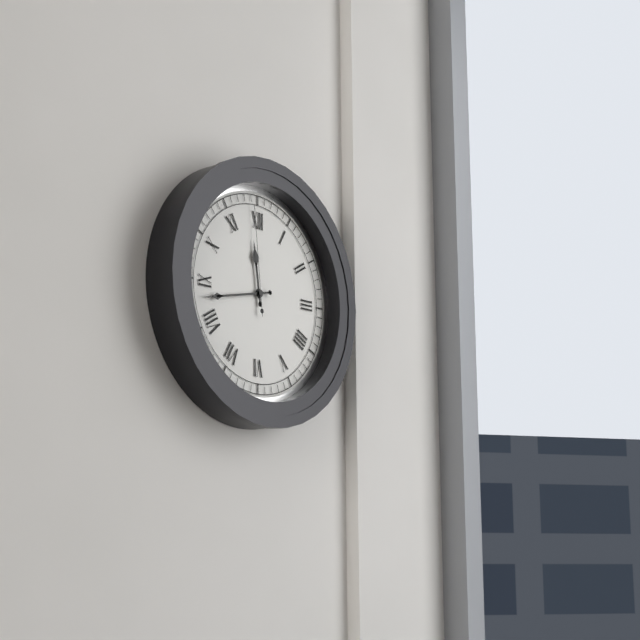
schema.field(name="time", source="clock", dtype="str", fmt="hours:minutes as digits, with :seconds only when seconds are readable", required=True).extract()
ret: 11:43:59
